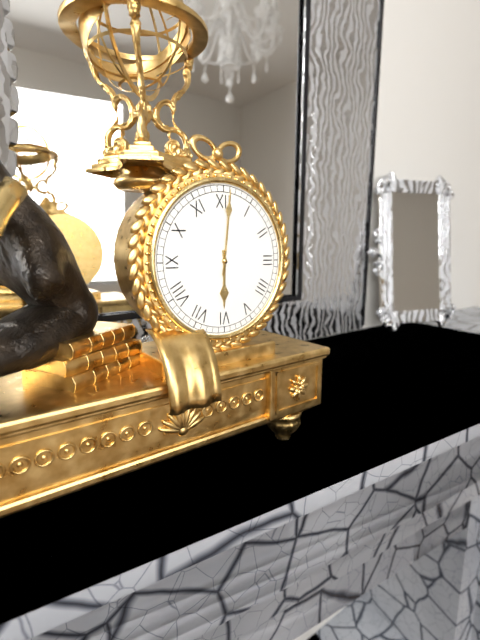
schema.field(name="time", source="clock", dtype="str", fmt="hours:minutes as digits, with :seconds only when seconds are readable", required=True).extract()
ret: 6:01
